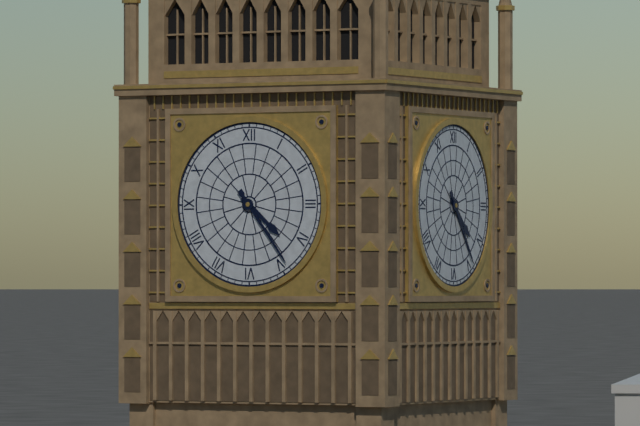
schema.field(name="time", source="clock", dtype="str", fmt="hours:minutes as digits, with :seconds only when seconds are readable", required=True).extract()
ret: 4:24
